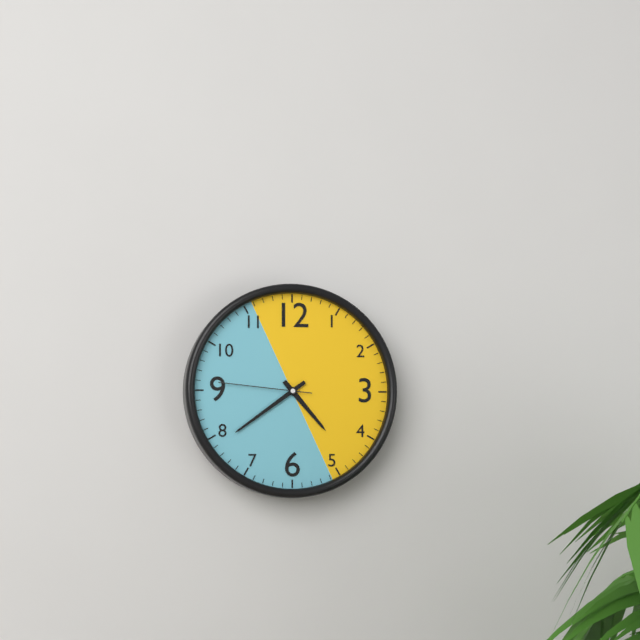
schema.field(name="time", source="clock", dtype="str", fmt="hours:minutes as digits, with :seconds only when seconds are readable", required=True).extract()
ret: 4:39:46
